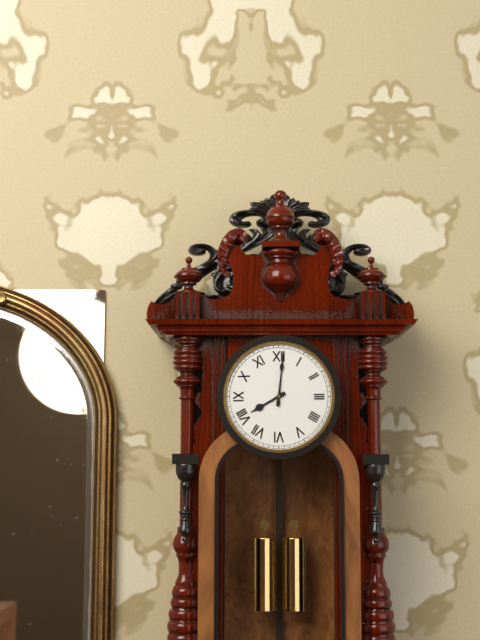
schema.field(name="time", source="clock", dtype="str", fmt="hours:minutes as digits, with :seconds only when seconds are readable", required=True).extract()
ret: 8:01
